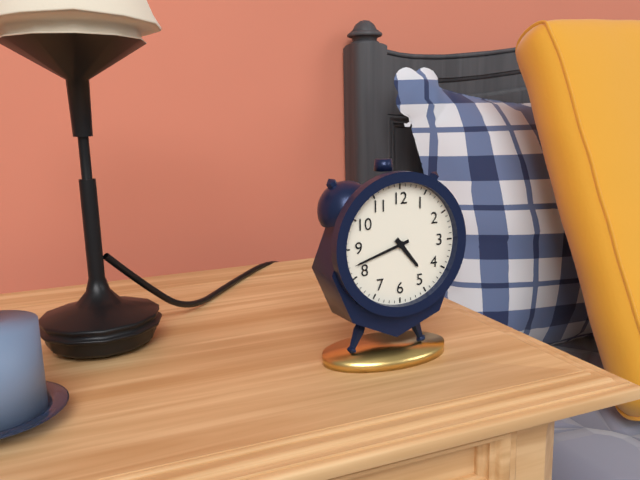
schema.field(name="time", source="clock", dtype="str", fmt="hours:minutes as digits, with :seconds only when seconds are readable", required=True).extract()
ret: 4:42
